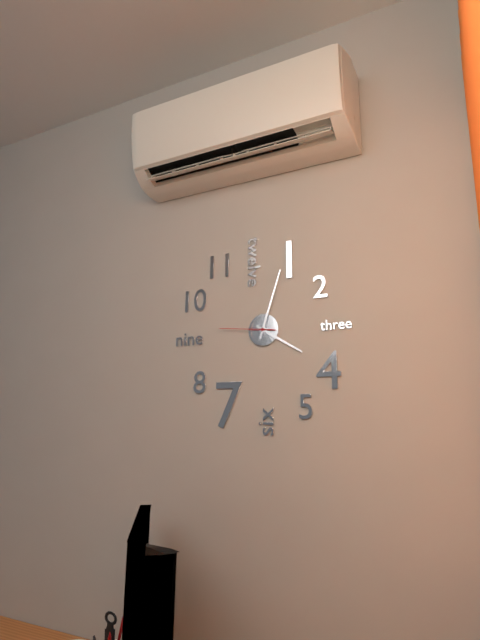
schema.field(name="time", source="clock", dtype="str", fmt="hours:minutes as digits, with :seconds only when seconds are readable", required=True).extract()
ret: 4:03:46
